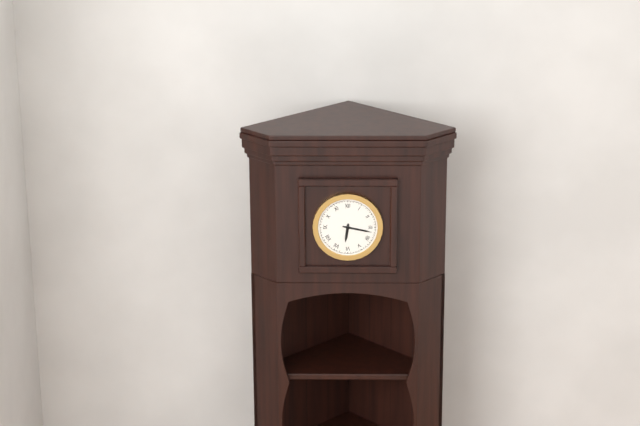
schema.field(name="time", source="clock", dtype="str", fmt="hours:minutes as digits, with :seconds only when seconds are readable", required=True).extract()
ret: 6:17
